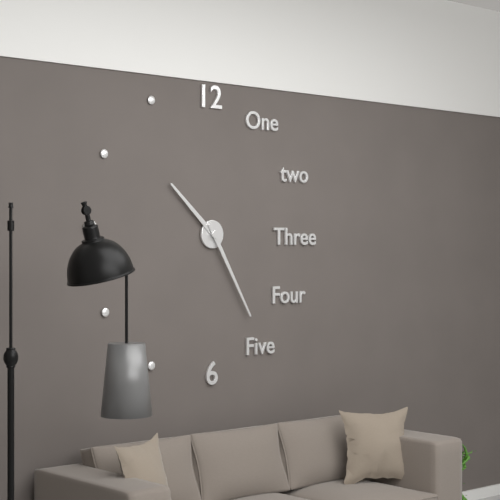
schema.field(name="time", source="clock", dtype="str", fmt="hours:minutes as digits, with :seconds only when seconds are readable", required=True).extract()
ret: 10:25
